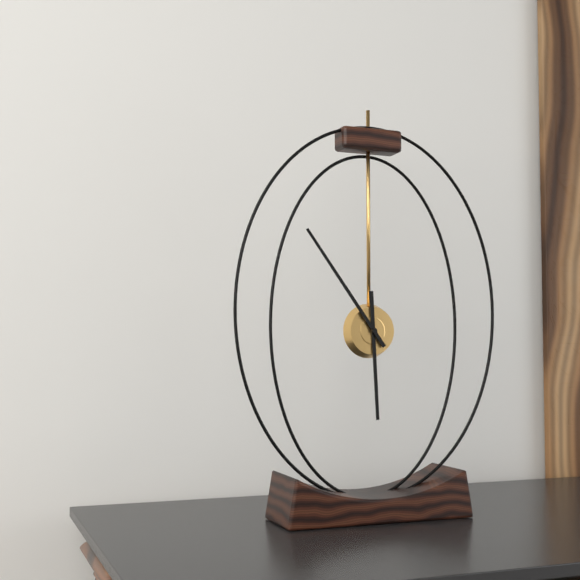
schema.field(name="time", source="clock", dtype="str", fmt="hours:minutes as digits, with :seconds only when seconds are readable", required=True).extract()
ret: 5:54
